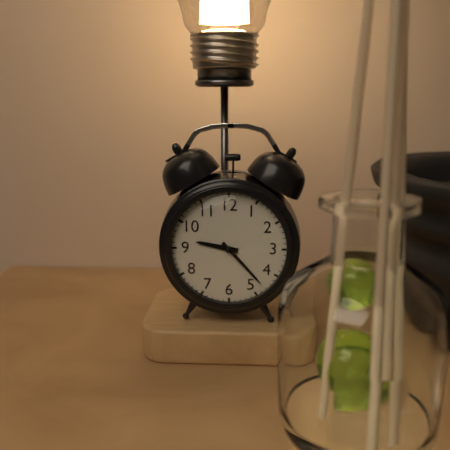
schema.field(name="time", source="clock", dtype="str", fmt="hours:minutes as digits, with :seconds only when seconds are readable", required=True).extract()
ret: 9:23
